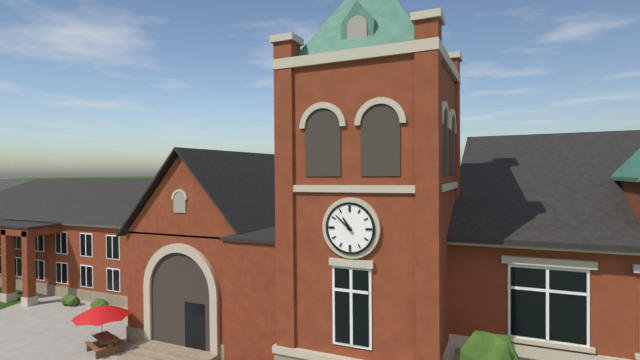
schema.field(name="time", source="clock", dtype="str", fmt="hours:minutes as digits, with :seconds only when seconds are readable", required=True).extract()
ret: 10:52
